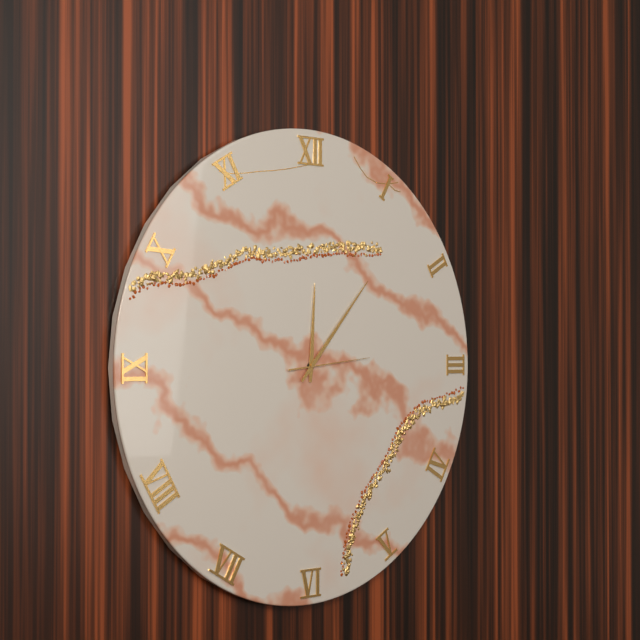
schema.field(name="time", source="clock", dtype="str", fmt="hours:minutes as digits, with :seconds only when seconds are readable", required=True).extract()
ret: 12:07:14
